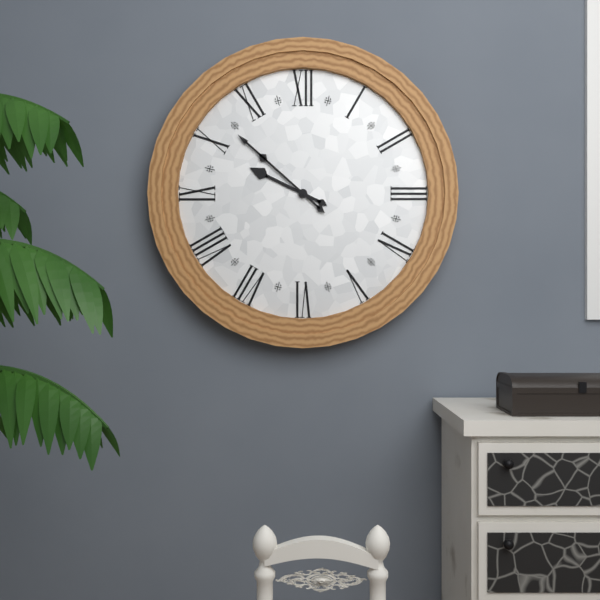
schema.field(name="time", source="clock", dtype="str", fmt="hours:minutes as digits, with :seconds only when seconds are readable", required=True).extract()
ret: 9:52
